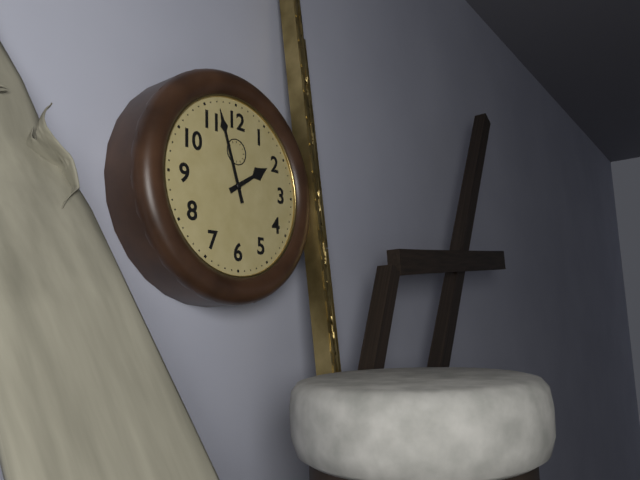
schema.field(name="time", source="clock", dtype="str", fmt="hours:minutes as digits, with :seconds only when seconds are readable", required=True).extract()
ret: 1:57
